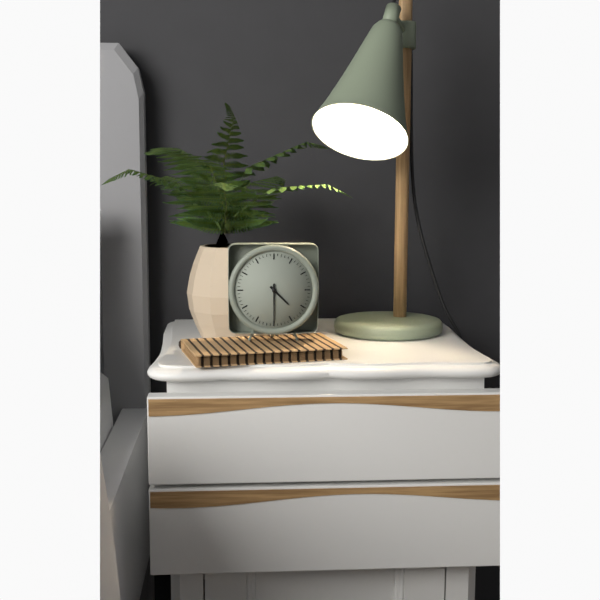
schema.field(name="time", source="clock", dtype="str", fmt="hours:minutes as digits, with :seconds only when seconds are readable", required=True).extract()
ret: 4:30
